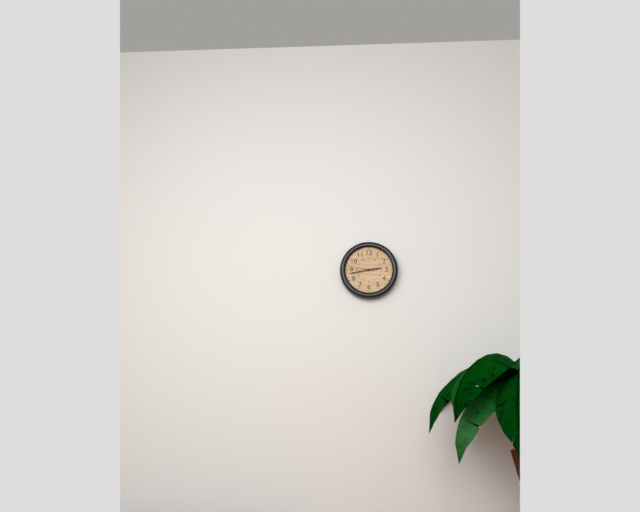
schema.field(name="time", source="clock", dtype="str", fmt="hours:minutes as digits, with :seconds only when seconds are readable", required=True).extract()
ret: 2:43
